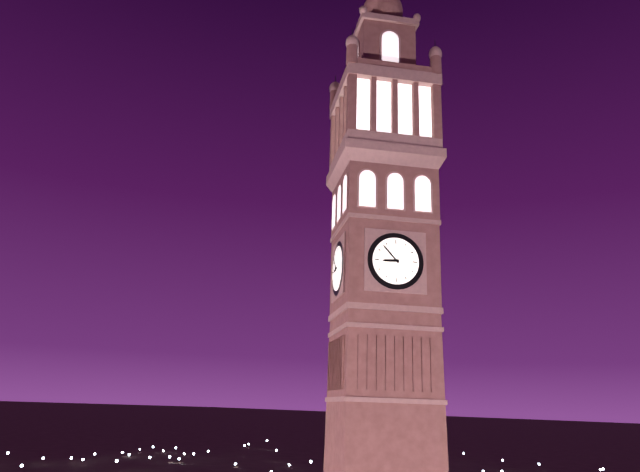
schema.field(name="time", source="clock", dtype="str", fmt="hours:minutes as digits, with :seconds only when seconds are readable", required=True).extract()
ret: 8:53
